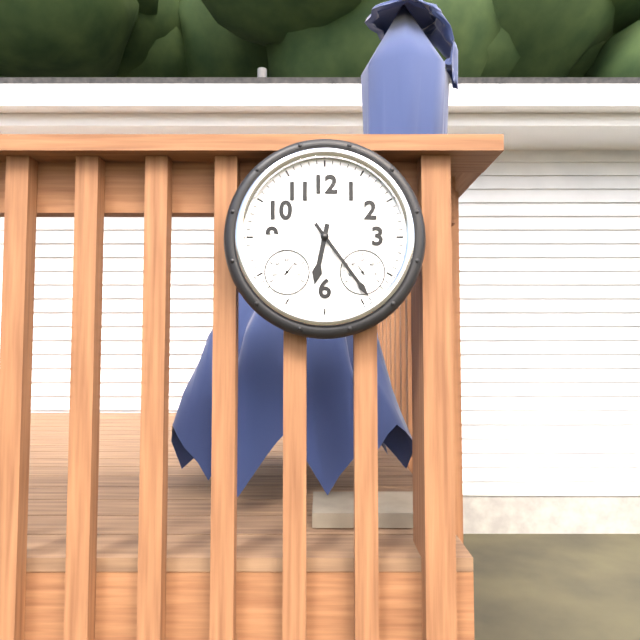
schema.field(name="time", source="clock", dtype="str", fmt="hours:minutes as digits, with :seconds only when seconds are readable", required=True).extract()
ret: 6:24
